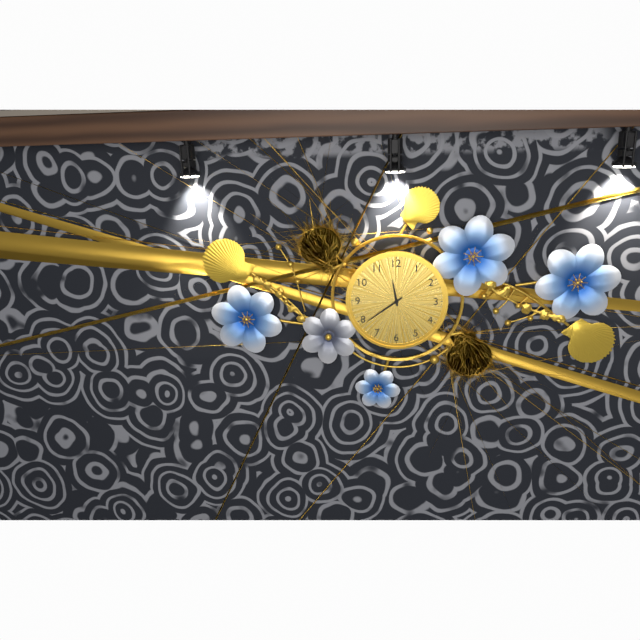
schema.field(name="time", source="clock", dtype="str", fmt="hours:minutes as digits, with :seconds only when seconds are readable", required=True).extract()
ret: 11:39
